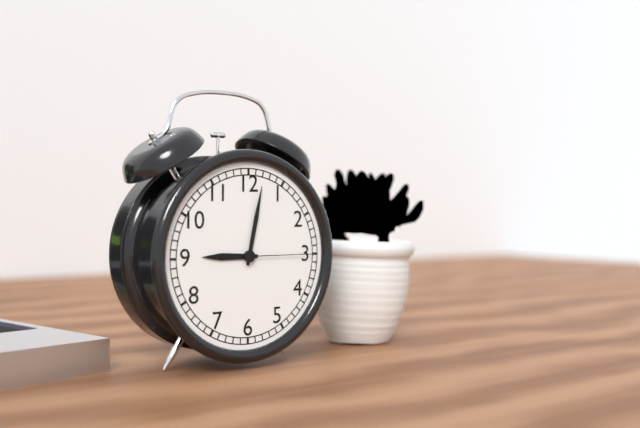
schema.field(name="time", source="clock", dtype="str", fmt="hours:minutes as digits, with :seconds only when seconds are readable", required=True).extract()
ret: 9:02:15
